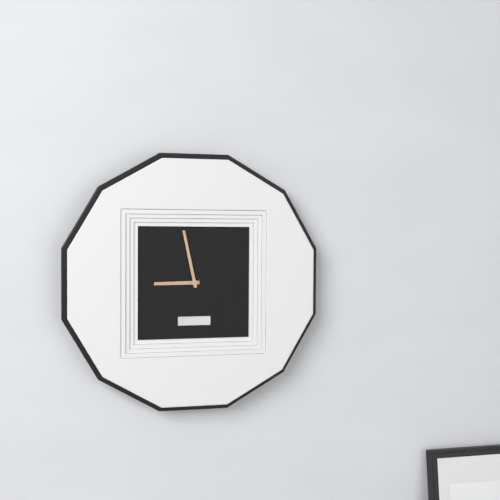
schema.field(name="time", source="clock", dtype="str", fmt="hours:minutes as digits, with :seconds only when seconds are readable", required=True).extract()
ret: 8:58
